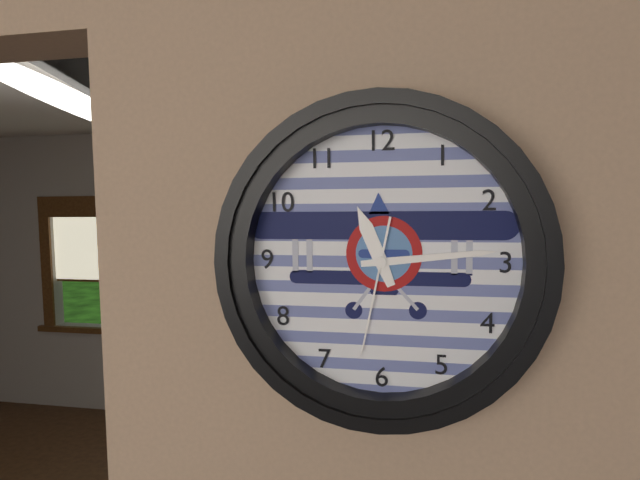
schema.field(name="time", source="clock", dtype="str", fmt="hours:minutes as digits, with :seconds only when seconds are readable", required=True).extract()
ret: 11:14:32
